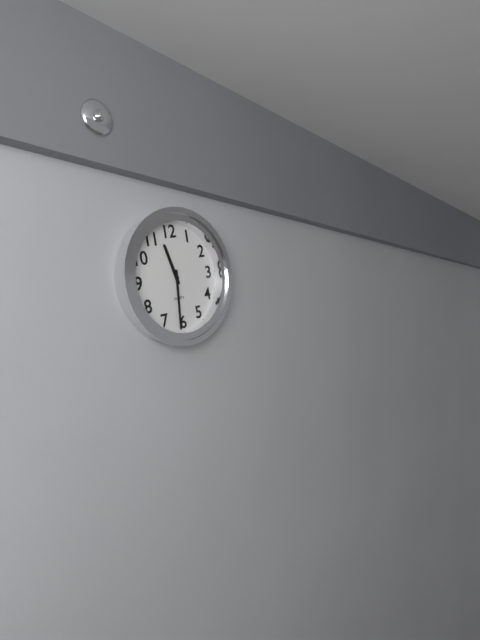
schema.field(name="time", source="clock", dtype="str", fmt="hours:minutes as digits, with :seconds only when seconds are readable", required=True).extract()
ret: 11:31
